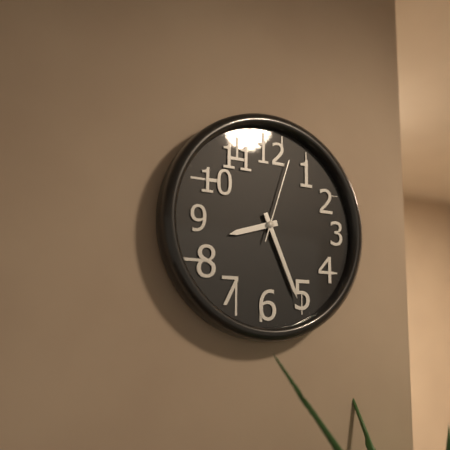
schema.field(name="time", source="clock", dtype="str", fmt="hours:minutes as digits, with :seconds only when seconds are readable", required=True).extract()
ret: 8:26:03
